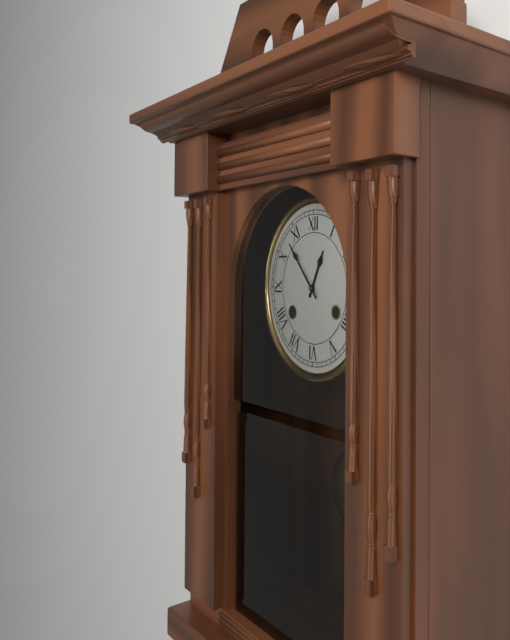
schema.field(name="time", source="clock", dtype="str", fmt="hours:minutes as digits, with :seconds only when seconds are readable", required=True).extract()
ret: 12:53
